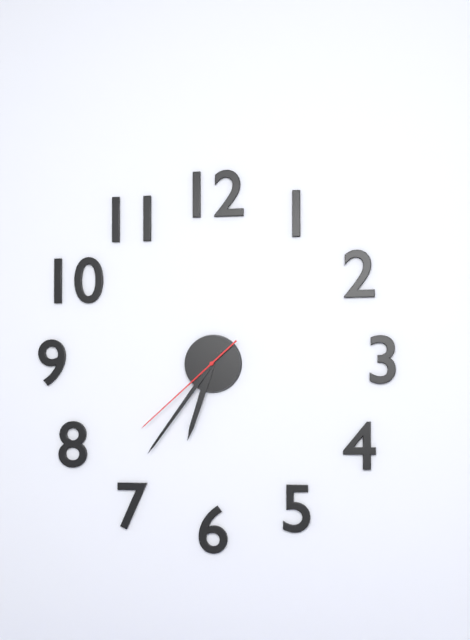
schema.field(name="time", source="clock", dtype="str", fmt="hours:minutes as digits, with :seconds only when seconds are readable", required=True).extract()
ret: 6:36:38
